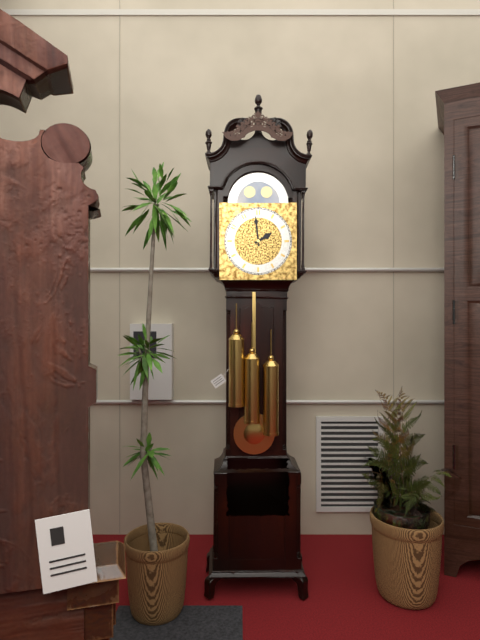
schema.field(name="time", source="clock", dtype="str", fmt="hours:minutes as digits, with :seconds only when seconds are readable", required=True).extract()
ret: 1:59
